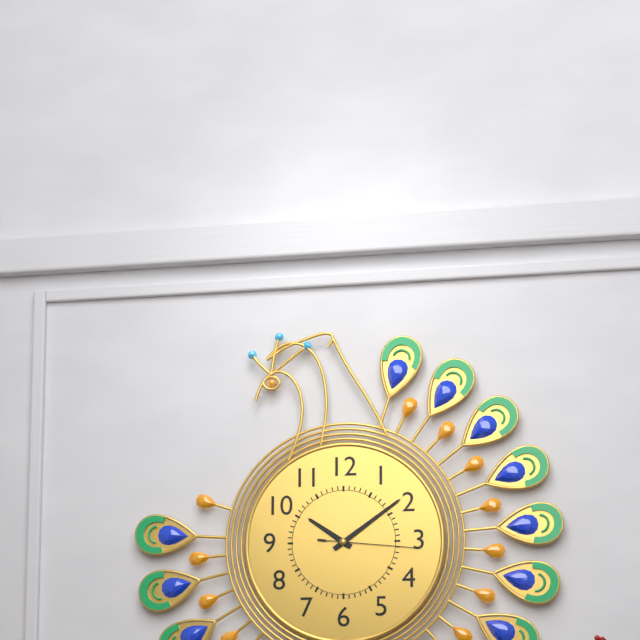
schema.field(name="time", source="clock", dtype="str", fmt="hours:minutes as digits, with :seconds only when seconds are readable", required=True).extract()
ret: 10:09:16
